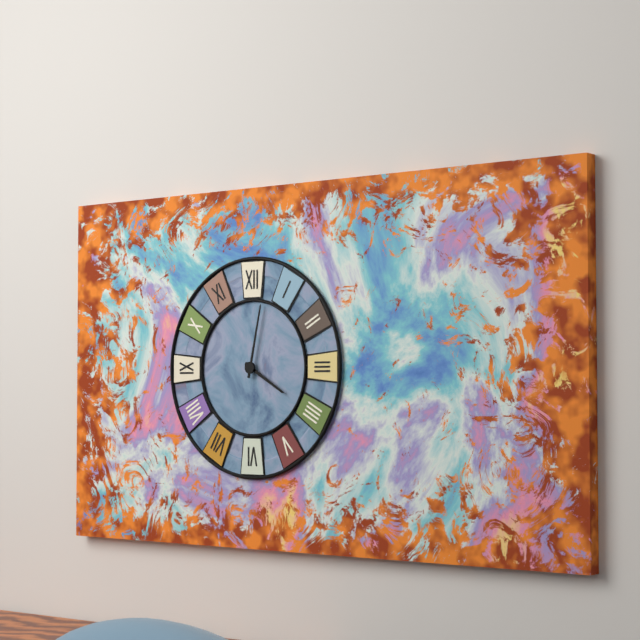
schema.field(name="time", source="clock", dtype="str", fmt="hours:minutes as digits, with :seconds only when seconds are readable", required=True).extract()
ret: 4:02
